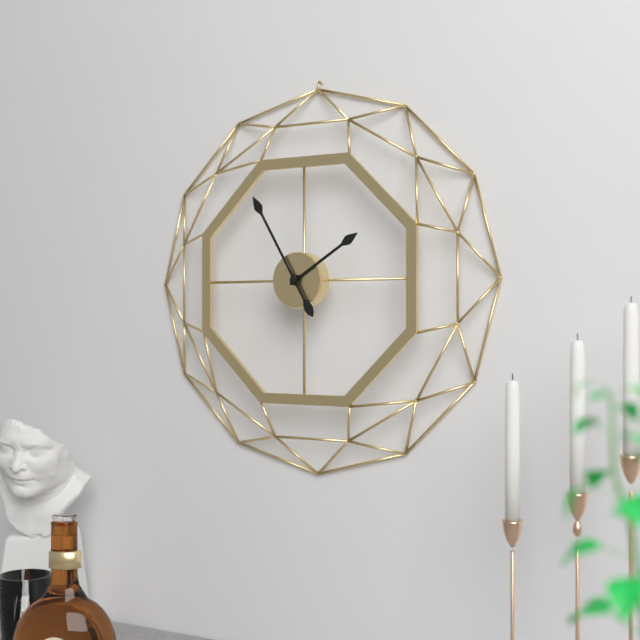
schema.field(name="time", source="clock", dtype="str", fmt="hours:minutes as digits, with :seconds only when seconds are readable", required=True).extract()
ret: 1:55
